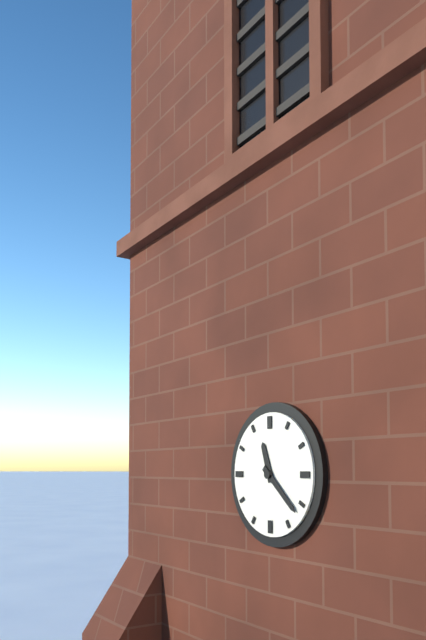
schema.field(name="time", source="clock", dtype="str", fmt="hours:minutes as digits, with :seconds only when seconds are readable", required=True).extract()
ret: 11:22
